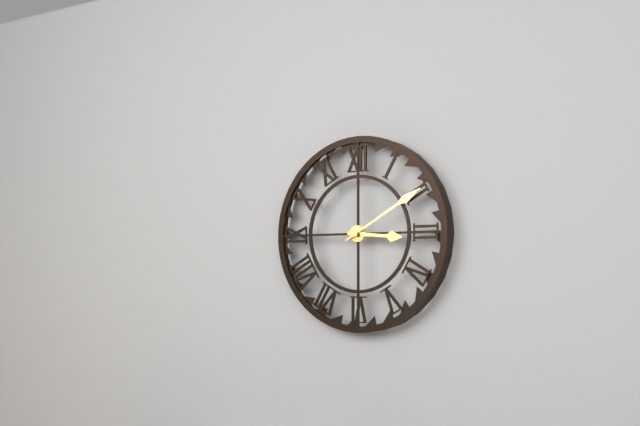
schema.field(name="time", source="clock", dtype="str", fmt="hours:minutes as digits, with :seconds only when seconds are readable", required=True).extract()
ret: 3:10
